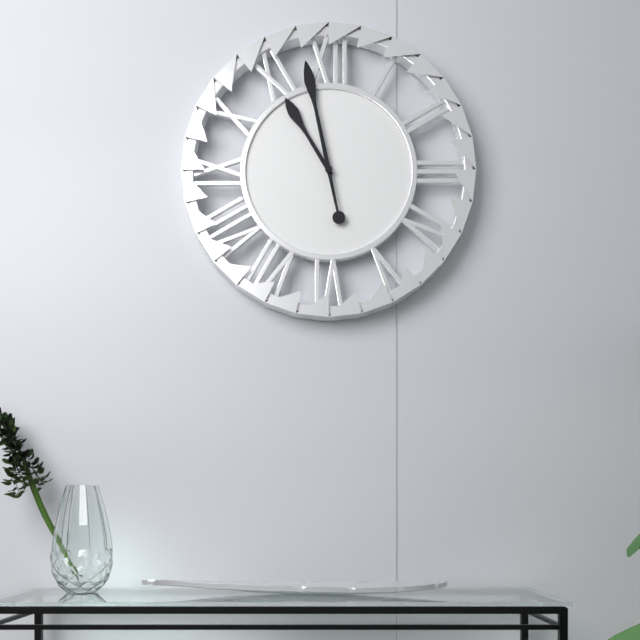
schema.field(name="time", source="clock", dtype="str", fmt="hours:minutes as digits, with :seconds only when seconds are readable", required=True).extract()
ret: 10:58
